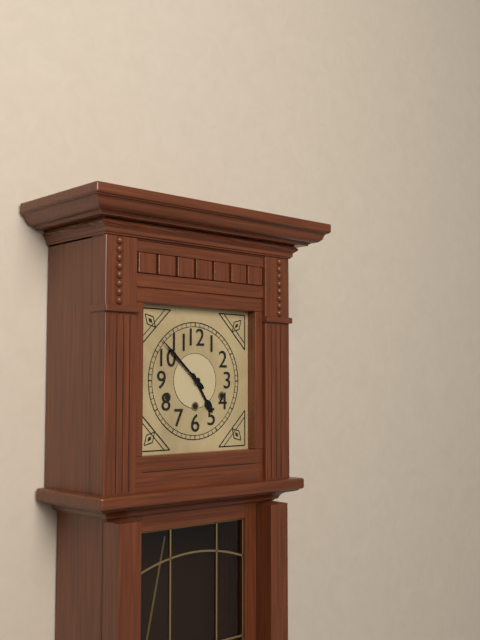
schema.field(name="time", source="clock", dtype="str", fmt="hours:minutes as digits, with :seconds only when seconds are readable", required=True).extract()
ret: 4:52
